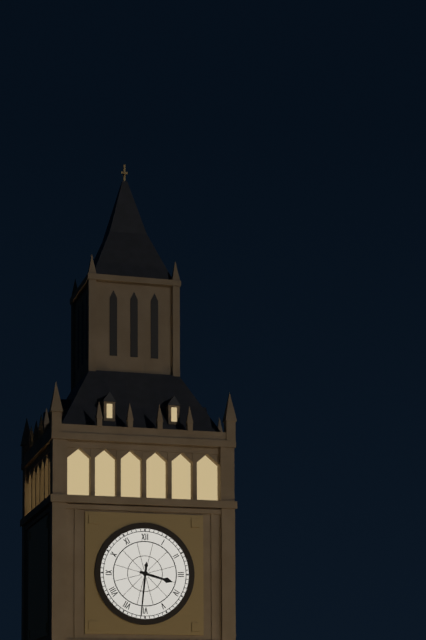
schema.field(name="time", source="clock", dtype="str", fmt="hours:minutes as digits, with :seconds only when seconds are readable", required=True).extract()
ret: 3:31
